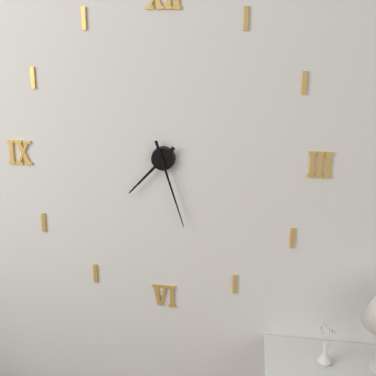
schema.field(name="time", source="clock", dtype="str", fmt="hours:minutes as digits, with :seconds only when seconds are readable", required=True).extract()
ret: 7:27
